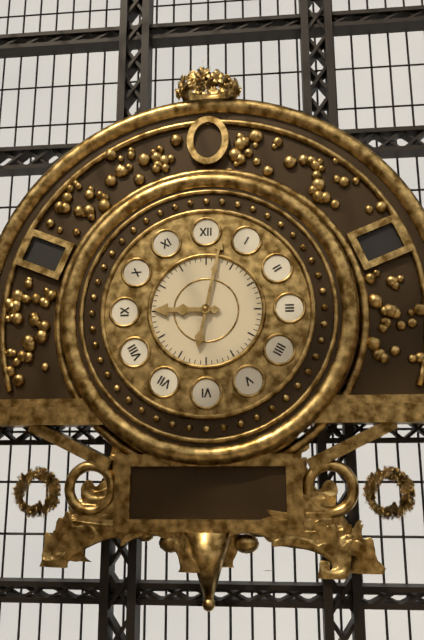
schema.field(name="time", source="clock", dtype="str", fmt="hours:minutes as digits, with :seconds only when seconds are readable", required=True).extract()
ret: 9:02
